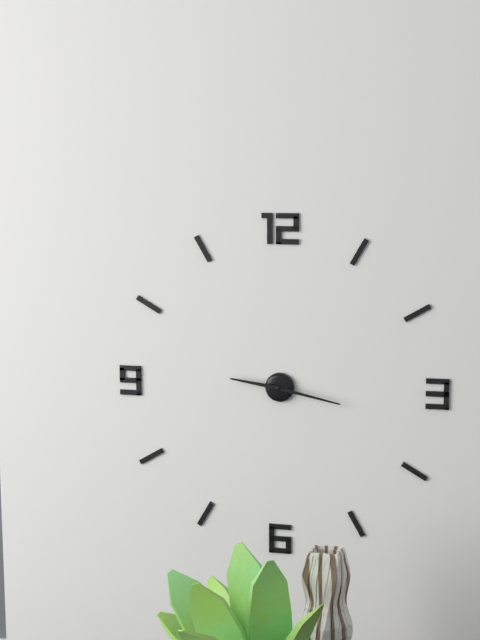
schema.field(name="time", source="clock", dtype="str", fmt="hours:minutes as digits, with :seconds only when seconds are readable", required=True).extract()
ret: 9:17
